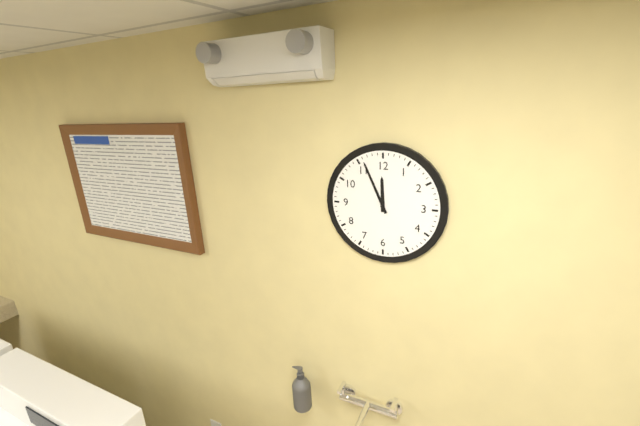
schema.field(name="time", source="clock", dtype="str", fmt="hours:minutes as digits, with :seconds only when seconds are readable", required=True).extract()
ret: 11:56
